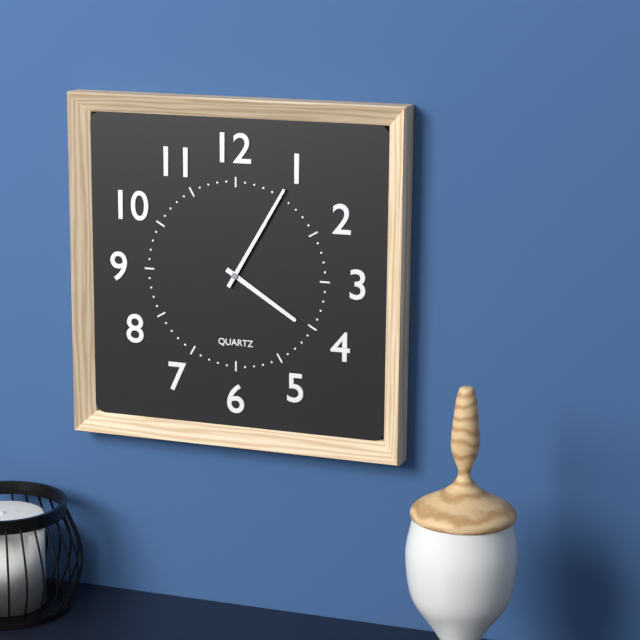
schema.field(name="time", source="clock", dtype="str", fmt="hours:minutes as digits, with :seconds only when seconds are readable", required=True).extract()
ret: 4:05
